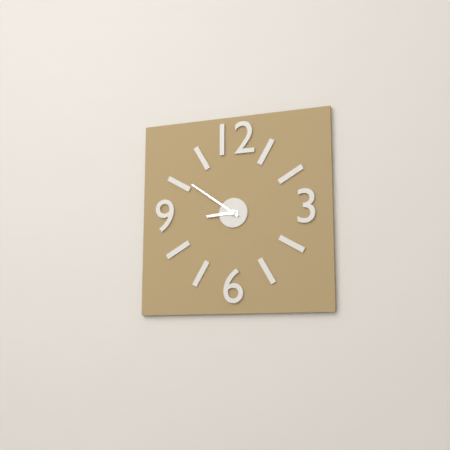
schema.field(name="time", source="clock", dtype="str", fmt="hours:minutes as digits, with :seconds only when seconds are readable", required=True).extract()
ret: 8:51
